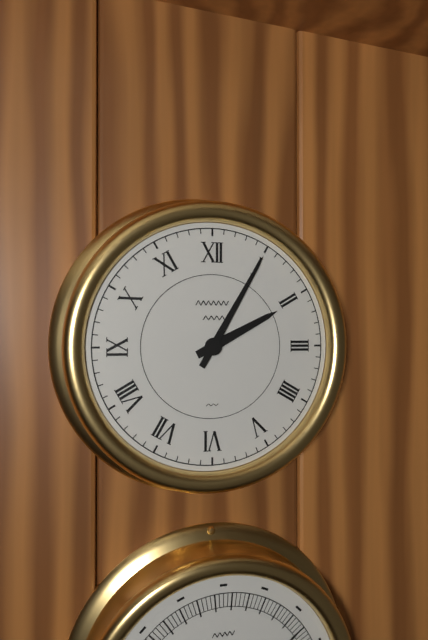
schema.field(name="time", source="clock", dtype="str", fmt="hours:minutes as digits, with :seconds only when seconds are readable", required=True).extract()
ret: 2:05
